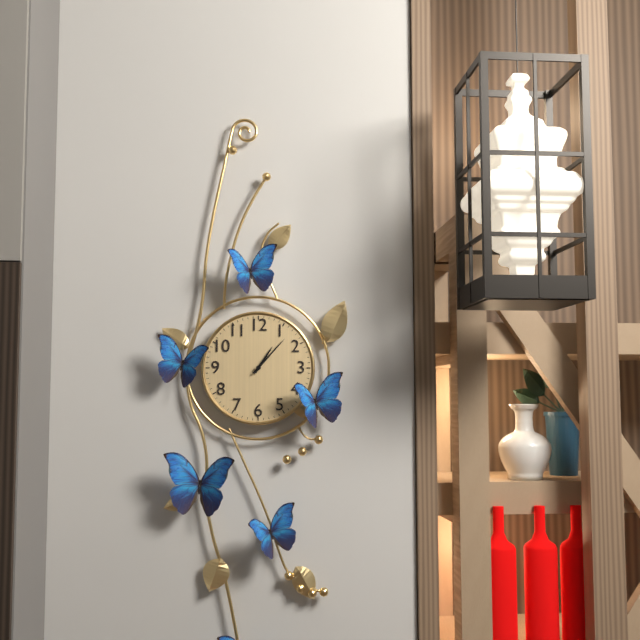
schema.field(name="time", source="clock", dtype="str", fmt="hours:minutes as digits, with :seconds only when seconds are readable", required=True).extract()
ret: 1:07
